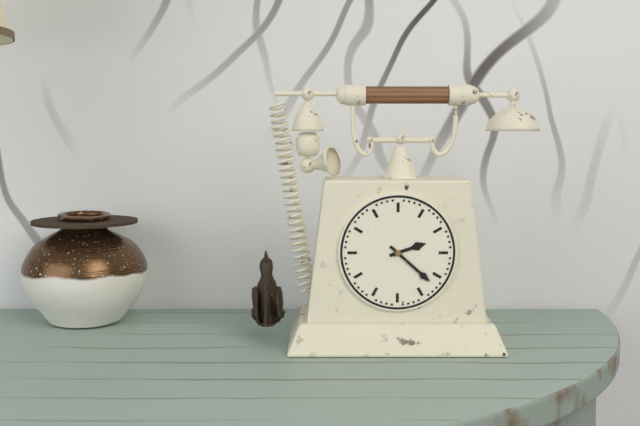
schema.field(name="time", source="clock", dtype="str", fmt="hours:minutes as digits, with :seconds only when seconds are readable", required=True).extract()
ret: 2:22
